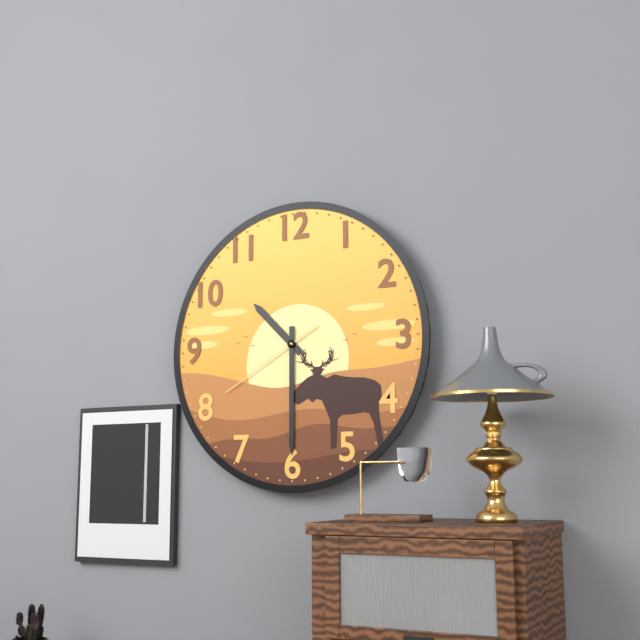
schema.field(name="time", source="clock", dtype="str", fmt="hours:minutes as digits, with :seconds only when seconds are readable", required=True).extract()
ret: 10:30:40
